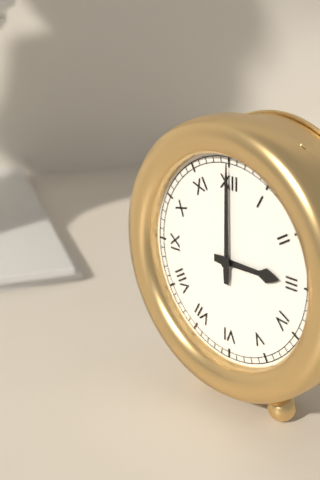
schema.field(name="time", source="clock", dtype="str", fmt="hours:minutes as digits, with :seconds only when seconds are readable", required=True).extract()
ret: 3:00
